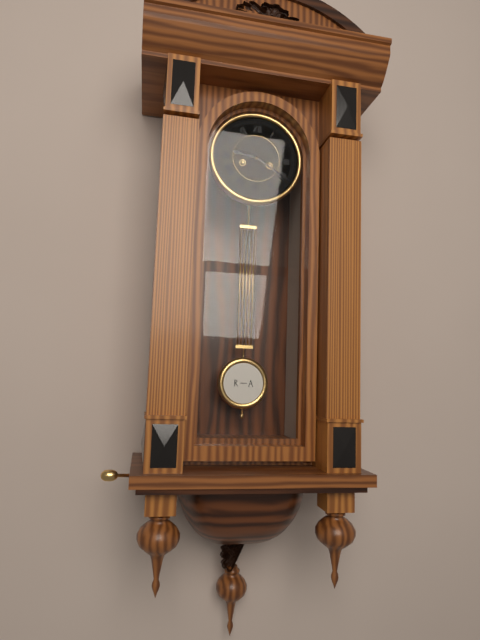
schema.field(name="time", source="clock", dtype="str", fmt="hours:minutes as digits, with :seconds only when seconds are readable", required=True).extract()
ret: 9:20
